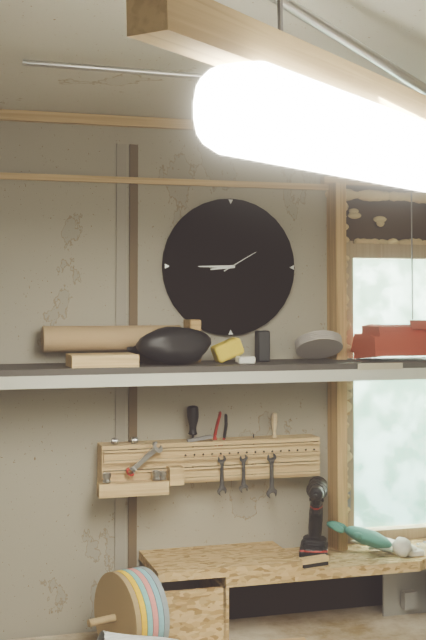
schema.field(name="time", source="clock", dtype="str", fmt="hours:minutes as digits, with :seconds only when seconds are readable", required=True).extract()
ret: 8:45
